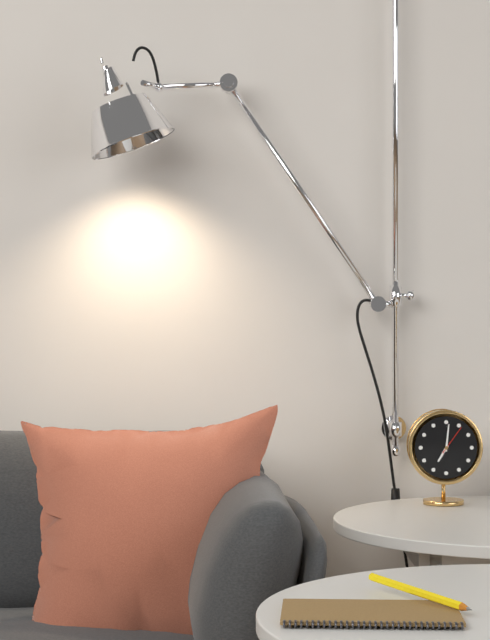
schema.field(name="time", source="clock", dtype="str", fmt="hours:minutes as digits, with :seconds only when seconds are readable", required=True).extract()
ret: 7:01
